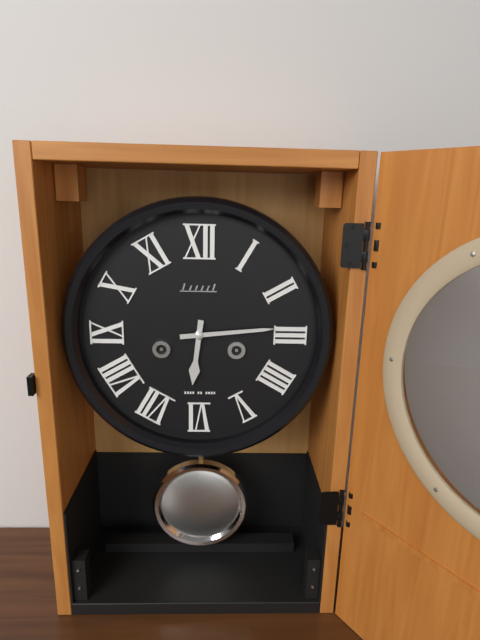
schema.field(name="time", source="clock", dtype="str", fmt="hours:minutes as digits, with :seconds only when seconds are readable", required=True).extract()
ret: 6:14
